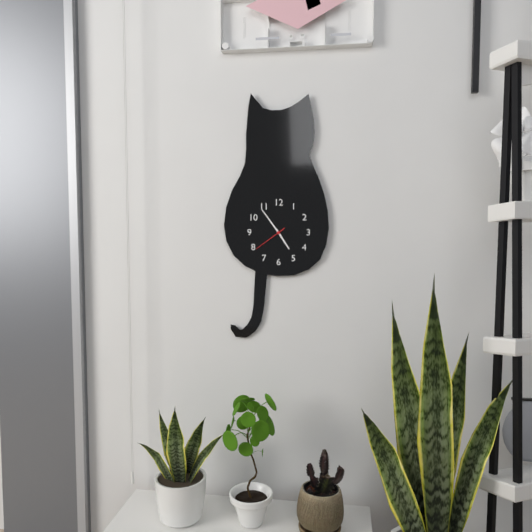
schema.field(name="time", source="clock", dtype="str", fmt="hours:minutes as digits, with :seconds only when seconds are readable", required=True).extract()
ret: 4:54
